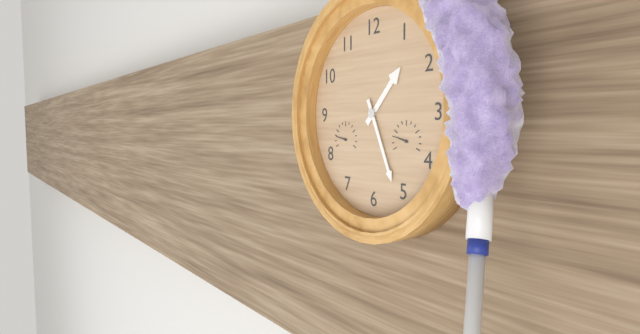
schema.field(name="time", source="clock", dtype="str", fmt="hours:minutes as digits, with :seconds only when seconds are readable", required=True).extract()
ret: 1:26
